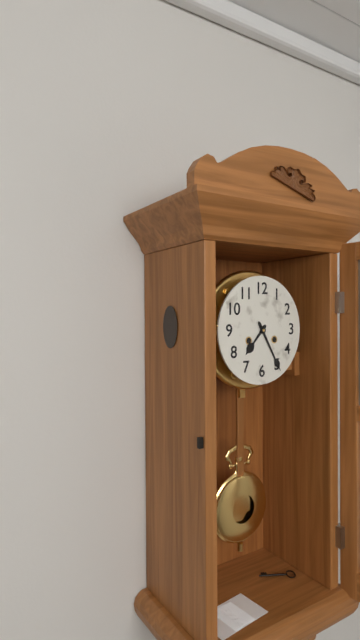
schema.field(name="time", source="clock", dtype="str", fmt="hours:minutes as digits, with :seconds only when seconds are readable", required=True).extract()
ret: 7:25
